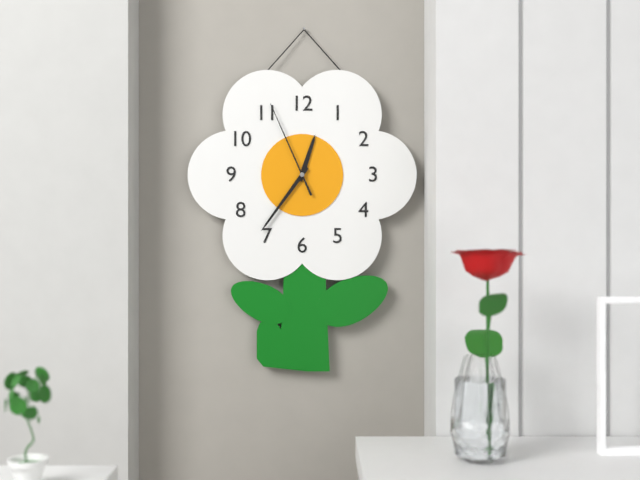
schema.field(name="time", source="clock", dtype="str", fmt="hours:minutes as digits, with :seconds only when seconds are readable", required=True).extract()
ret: 12:36:56
